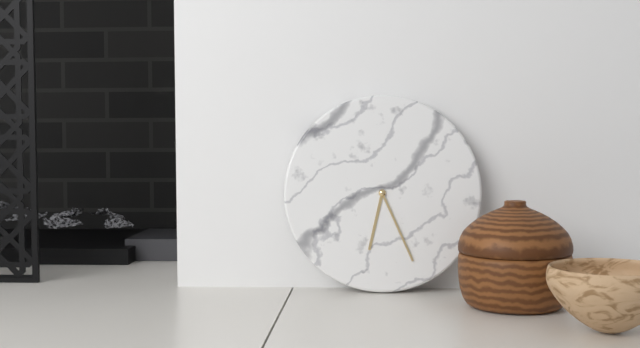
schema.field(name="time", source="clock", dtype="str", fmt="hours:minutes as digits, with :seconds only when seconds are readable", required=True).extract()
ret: 6:26
